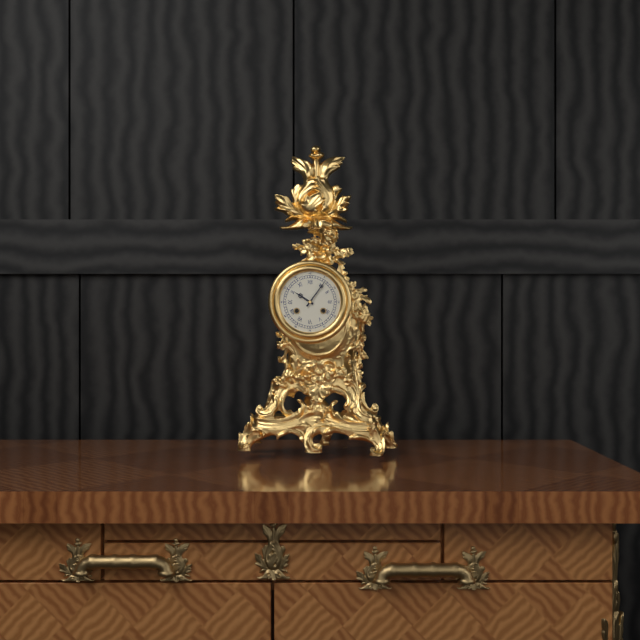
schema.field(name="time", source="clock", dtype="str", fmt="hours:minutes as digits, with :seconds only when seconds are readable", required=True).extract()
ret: 10:06
